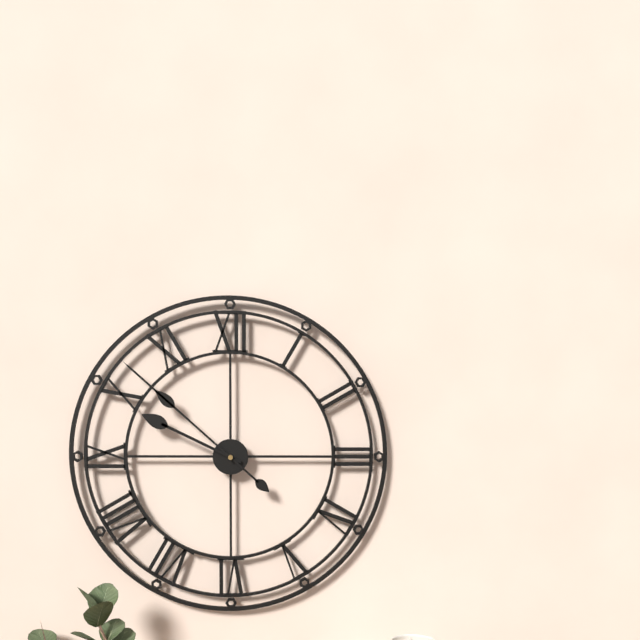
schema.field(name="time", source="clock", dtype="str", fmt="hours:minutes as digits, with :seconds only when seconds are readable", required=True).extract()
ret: 9:52
